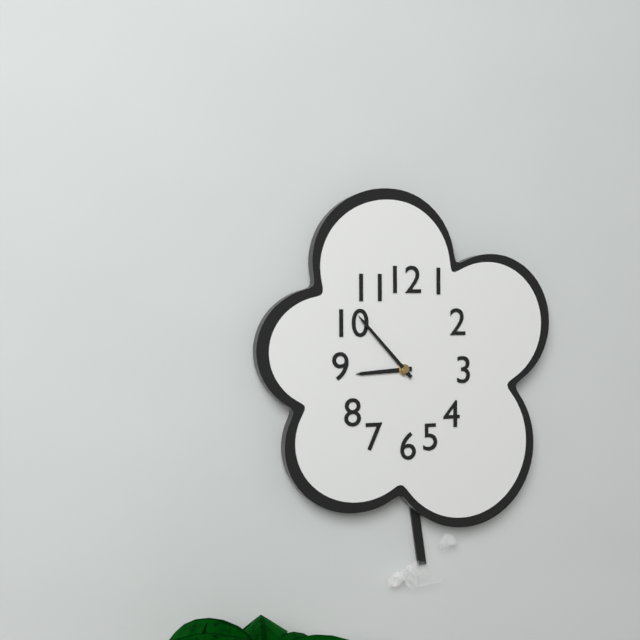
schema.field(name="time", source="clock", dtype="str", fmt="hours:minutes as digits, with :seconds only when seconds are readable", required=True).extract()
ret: 8:53
